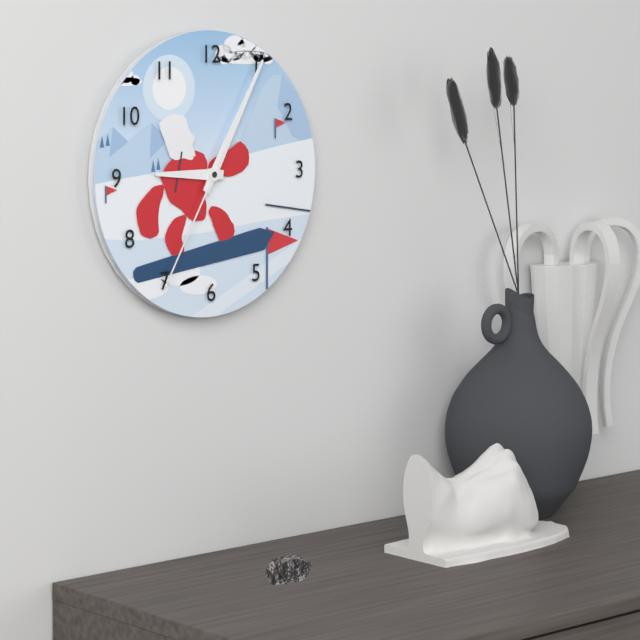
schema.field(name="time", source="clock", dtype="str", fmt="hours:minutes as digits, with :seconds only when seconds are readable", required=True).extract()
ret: 9:05:35
